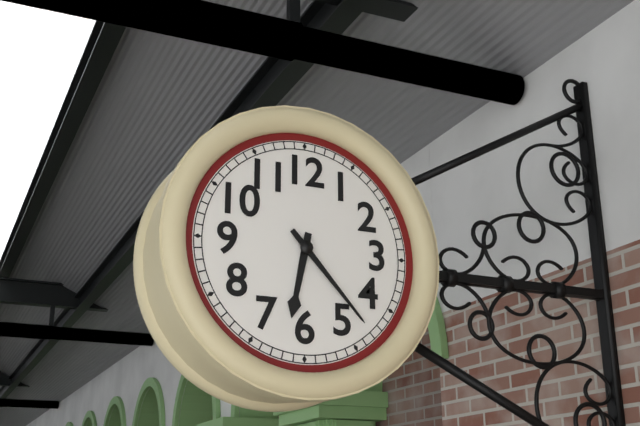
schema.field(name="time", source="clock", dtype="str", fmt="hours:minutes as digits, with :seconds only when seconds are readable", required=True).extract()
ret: 6:23
